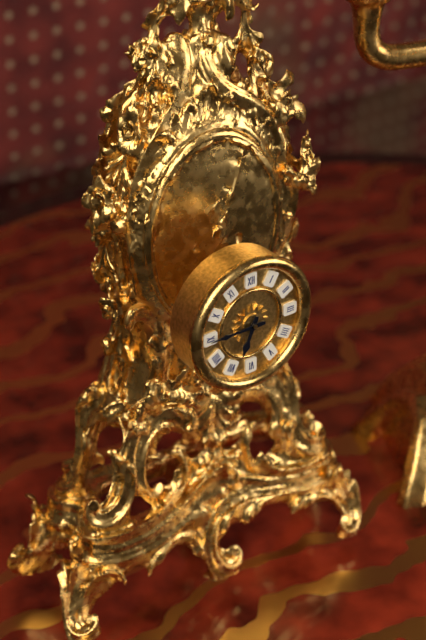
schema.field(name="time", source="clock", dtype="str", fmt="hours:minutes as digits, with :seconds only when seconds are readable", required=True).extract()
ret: 6:45
